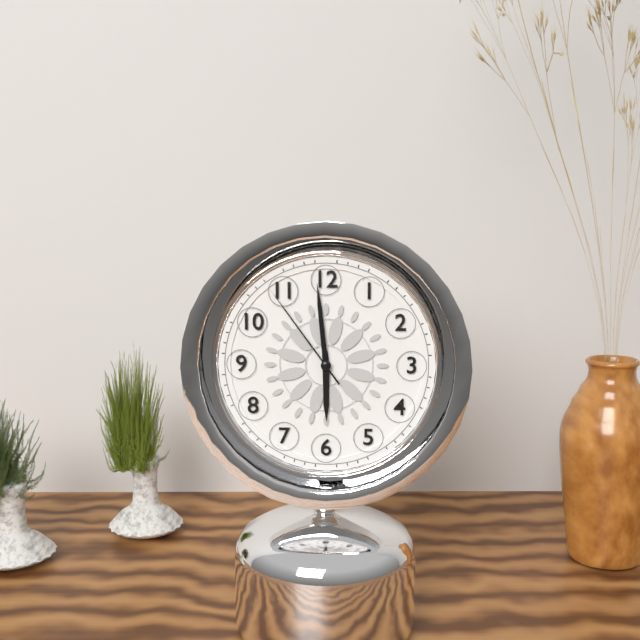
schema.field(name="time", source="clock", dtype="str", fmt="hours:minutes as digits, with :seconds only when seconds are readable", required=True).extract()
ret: 5:59:54
